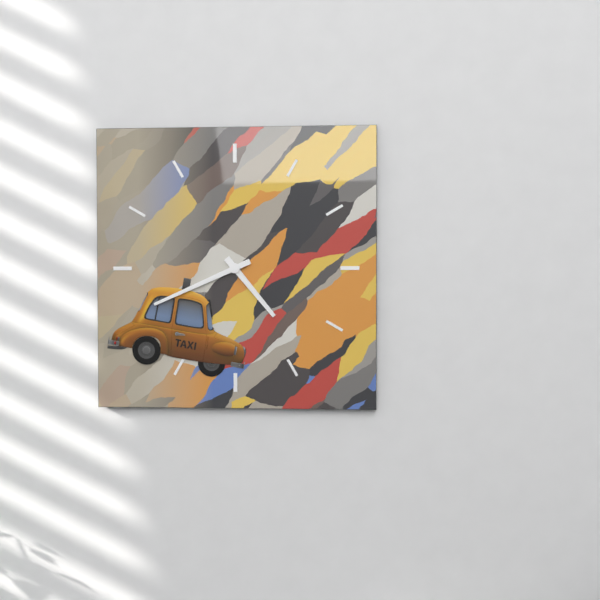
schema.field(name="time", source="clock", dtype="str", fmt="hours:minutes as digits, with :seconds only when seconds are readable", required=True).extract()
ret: 4:41
